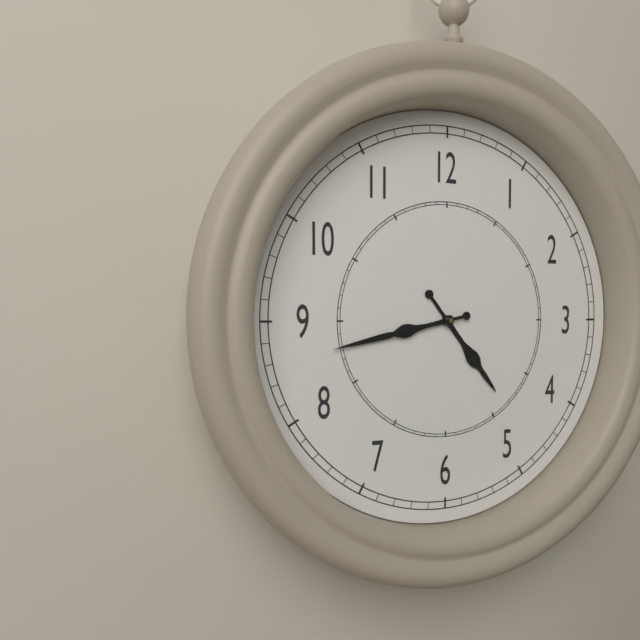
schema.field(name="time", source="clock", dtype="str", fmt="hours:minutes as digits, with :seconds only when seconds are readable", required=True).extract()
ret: 4:43
